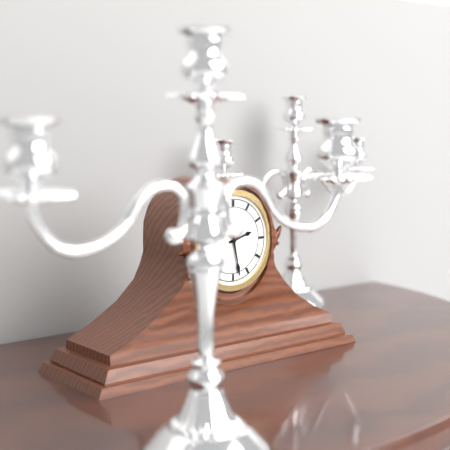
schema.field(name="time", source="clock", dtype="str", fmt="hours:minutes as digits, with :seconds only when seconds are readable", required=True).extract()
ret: 2:28
